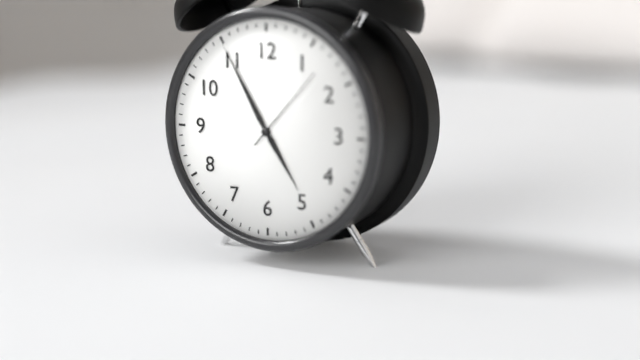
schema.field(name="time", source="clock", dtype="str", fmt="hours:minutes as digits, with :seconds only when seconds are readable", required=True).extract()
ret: 4:55:07
